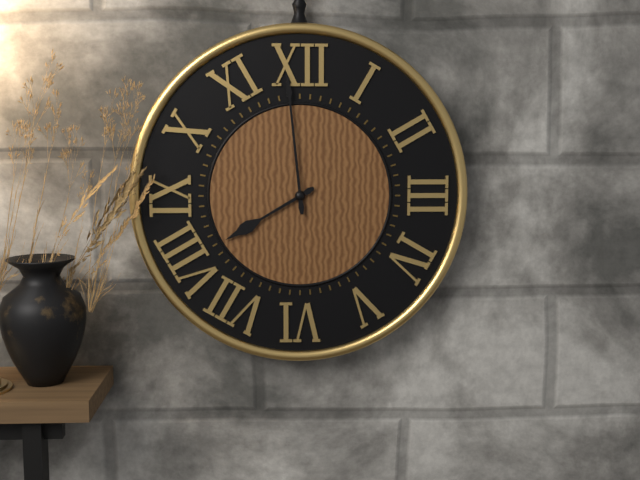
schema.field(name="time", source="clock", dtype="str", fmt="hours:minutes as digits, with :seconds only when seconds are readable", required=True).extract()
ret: 7:59
